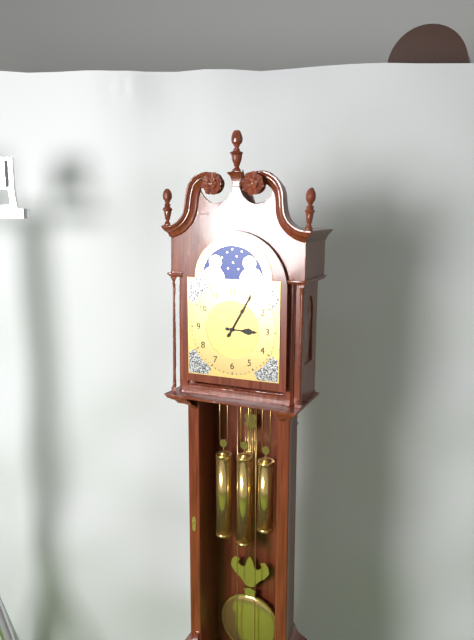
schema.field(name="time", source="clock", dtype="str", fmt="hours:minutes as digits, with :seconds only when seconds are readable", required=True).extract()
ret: 3:05
